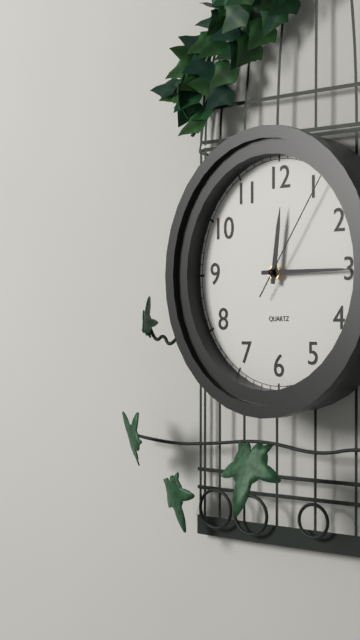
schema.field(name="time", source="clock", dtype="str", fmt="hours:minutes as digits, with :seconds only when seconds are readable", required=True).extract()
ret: 12:15:06
